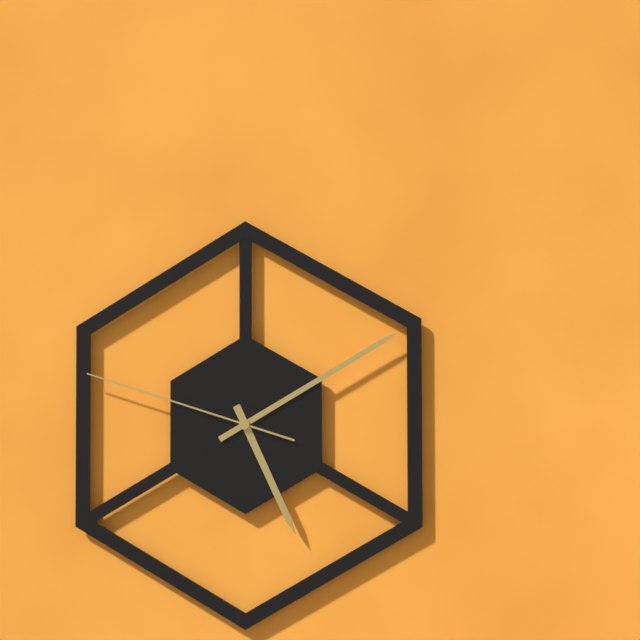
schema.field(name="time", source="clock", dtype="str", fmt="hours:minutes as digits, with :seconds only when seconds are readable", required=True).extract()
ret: 5:10:48
